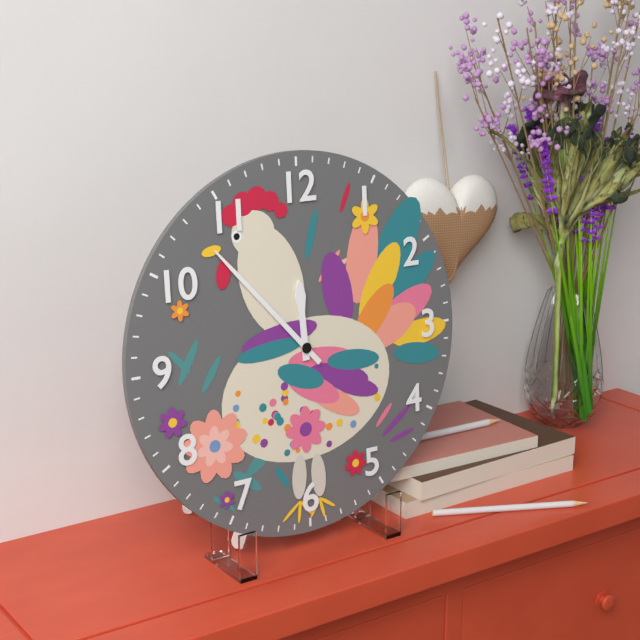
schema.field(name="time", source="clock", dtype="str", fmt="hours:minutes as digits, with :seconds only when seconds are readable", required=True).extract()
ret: 11:53
